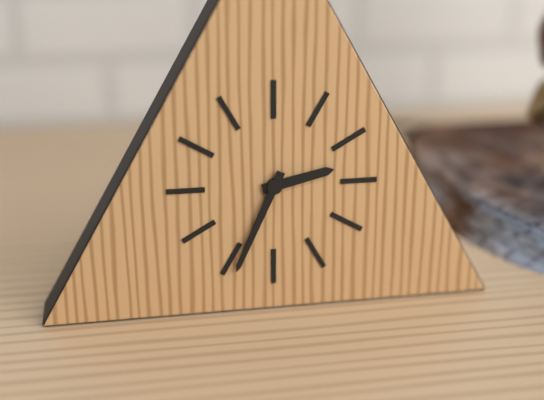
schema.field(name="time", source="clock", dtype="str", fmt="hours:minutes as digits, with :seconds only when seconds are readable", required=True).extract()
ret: 2:34
